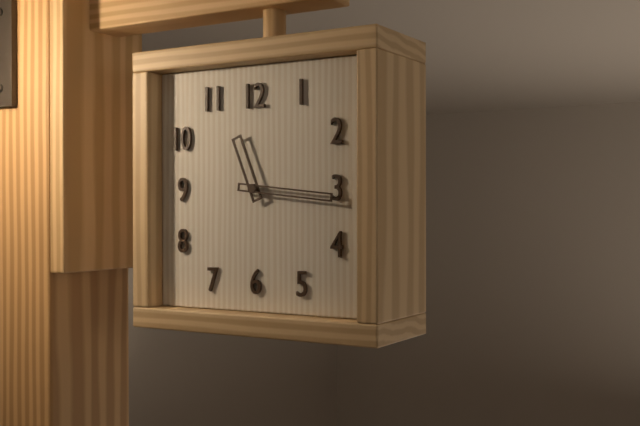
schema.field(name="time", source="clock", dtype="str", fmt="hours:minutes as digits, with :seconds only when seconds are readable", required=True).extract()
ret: 11:16
